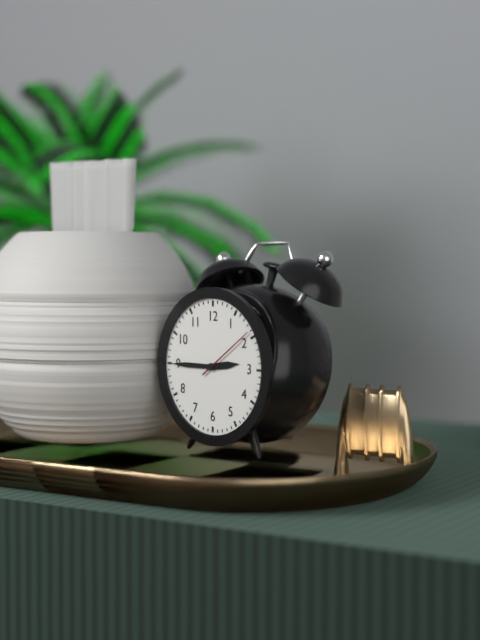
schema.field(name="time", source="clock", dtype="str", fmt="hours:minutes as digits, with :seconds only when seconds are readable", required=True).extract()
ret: 2:45:09
